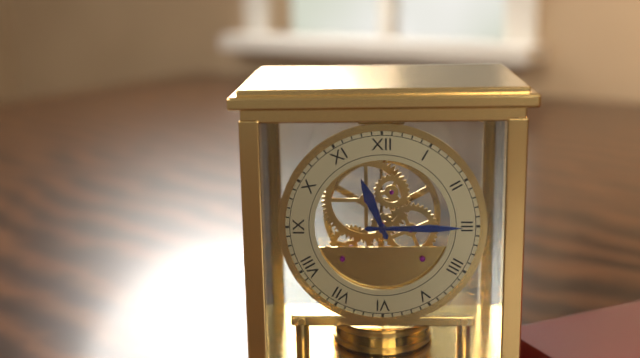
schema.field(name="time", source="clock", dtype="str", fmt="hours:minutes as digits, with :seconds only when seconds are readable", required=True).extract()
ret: 11:15
